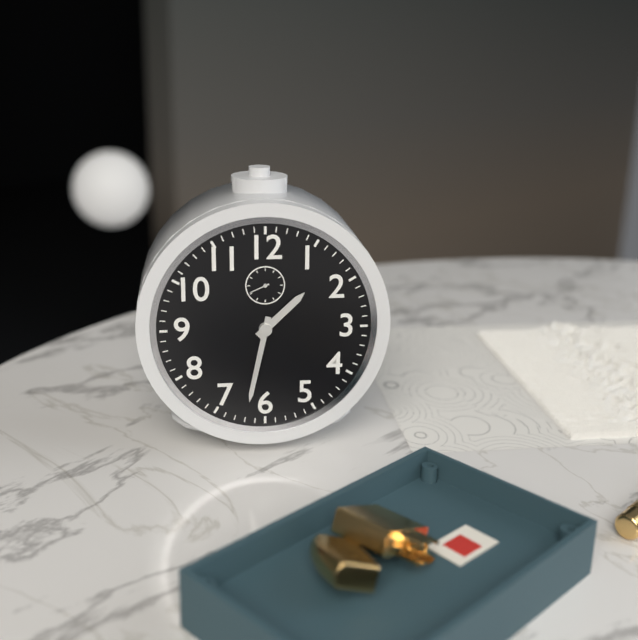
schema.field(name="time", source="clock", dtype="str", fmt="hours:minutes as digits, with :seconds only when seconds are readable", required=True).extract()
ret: 1:32
